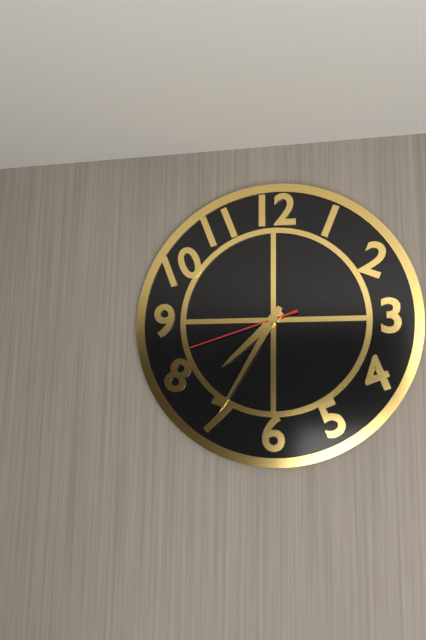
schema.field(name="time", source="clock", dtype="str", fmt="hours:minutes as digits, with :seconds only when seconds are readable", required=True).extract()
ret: 7:35:42
